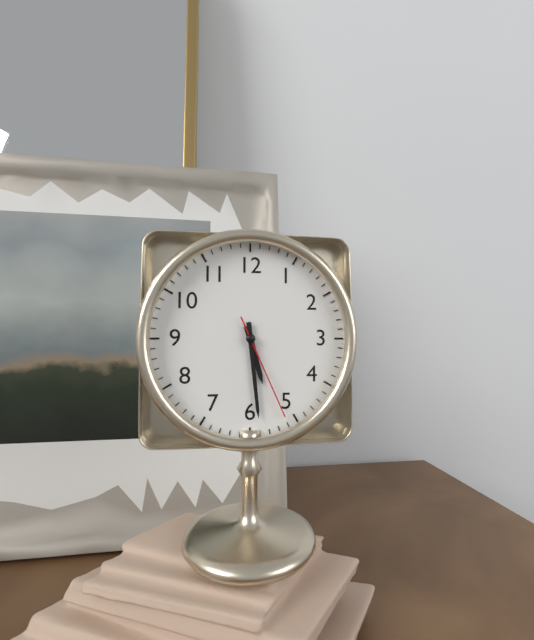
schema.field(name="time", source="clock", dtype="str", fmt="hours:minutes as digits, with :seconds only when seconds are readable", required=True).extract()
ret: 5:29:26
